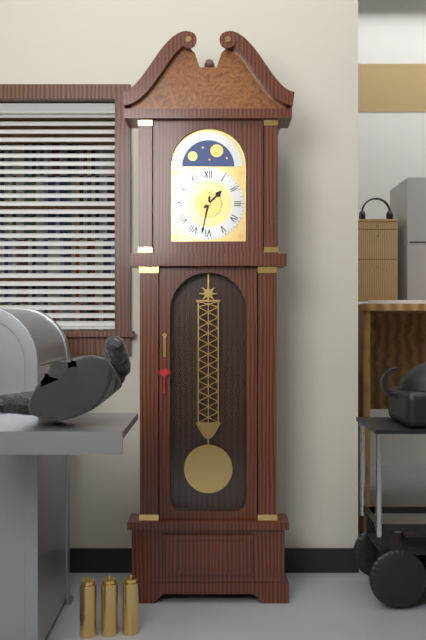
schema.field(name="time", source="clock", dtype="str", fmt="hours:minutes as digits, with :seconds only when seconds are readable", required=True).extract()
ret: 1:32
